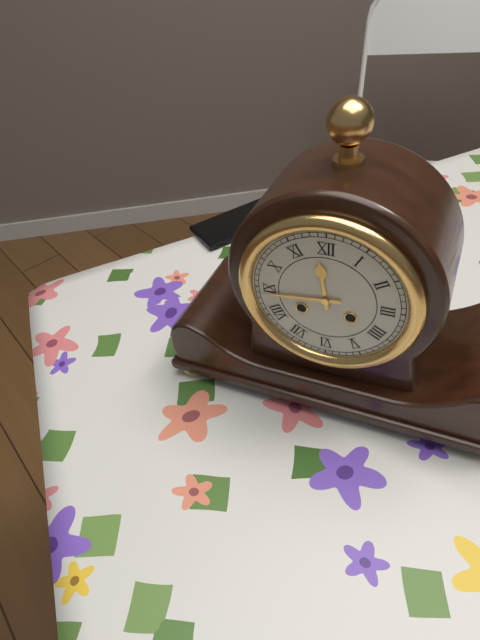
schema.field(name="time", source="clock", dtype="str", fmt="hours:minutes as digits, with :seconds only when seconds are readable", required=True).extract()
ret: 11:44
